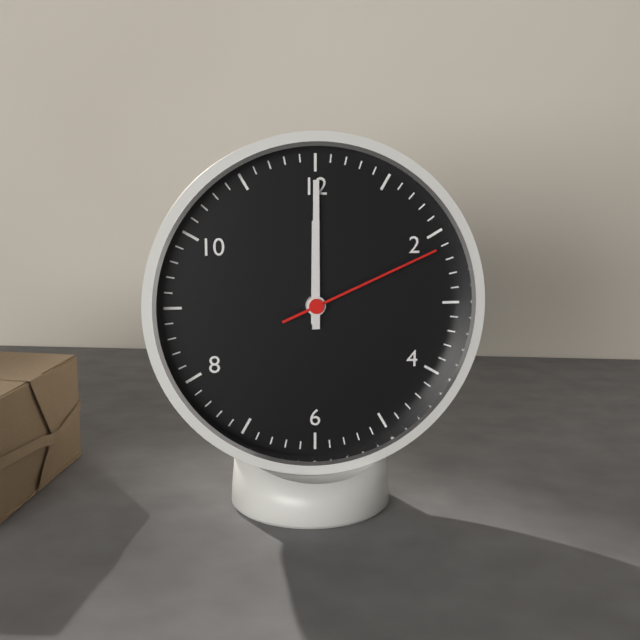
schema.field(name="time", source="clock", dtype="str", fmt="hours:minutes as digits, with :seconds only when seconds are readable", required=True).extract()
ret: 12:00:11
